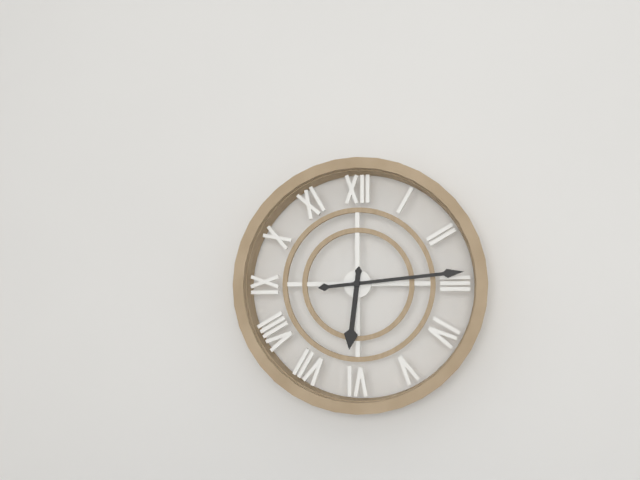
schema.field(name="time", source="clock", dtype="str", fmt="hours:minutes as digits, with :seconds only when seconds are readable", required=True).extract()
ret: 6:14
